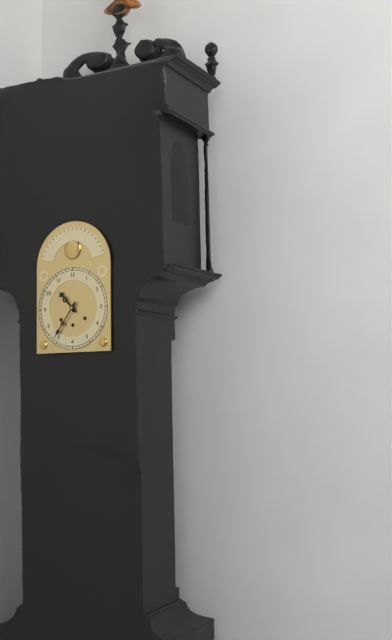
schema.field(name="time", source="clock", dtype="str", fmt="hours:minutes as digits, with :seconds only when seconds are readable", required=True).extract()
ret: 10:36
